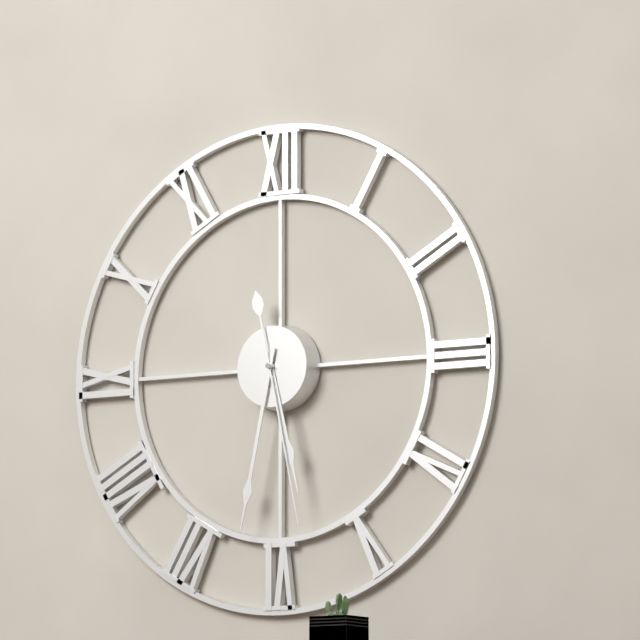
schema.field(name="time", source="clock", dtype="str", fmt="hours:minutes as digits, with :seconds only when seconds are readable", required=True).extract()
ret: 5:32:28
